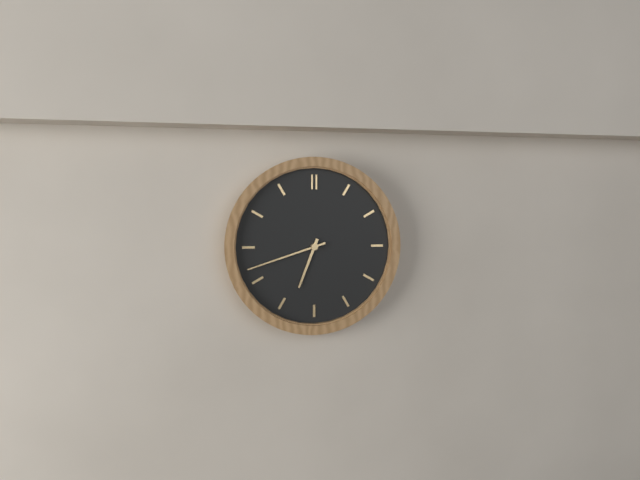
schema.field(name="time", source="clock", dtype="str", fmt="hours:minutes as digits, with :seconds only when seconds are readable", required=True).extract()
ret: 6:42
